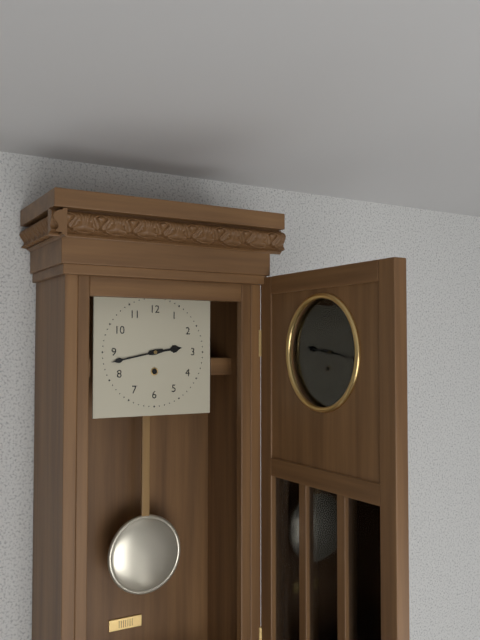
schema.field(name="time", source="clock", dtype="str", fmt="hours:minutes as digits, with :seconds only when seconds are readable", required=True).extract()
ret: 2:43
